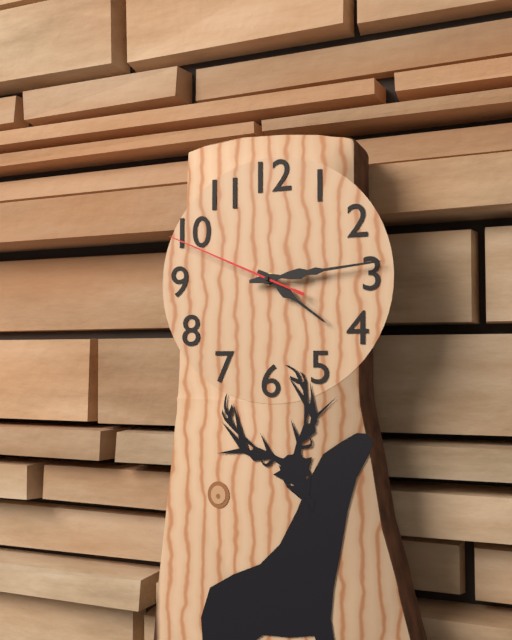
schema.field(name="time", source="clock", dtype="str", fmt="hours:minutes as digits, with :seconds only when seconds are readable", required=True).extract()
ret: 4:14:49
